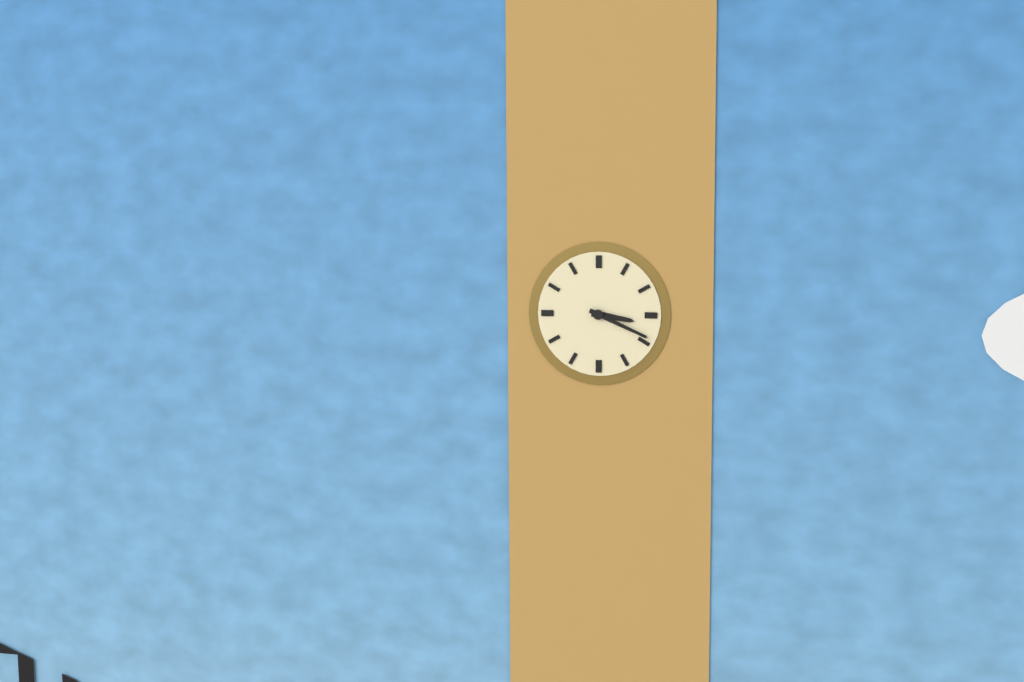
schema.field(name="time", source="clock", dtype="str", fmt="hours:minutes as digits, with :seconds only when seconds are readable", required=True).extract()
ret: 3:19
